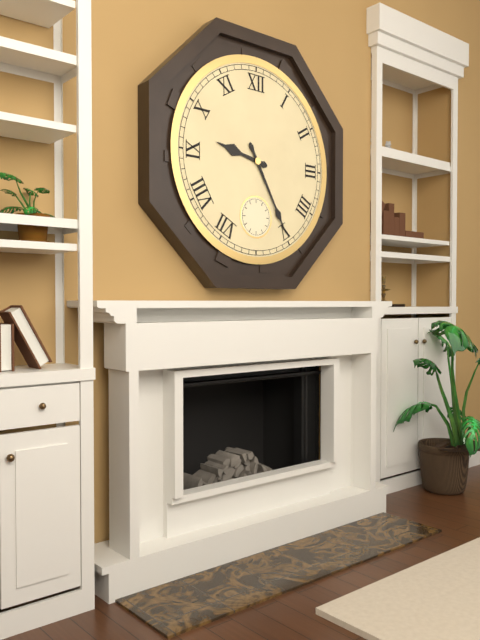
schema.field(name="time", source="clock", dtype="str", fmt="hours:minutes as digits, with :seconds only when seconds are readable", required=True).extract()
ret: 9:25
